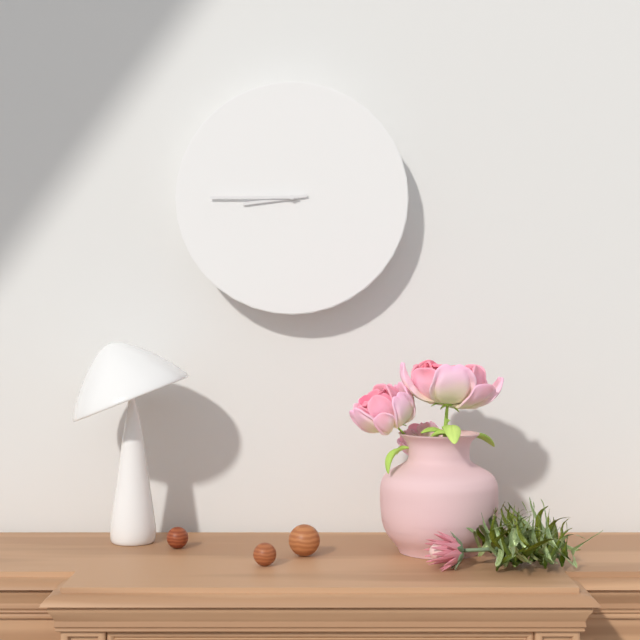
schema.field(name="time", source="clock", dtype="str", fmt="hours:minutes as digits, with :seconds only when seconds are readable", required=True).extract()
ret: 8:45
